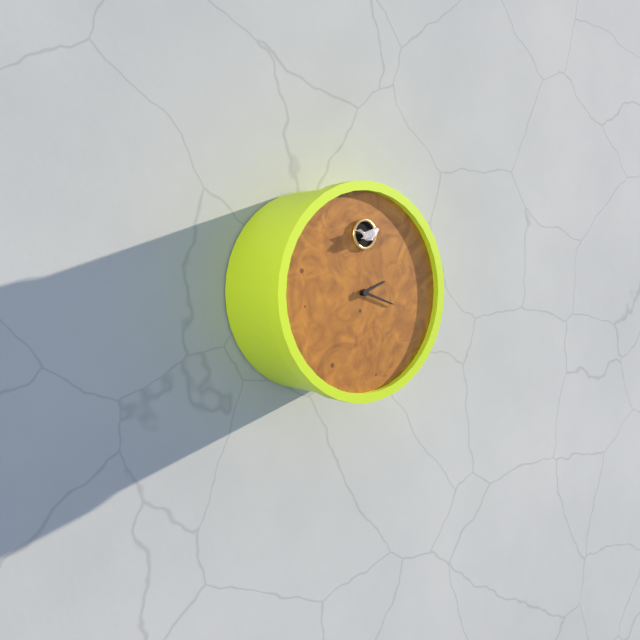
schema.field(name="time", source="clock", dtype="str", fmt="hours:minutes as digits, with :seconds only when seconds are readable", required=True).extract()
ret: 2:18
